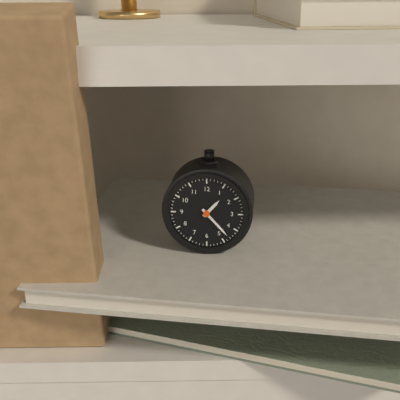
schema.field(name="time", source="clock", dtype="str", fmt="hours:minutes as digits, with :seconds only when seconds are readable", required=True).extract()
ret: 1:23
